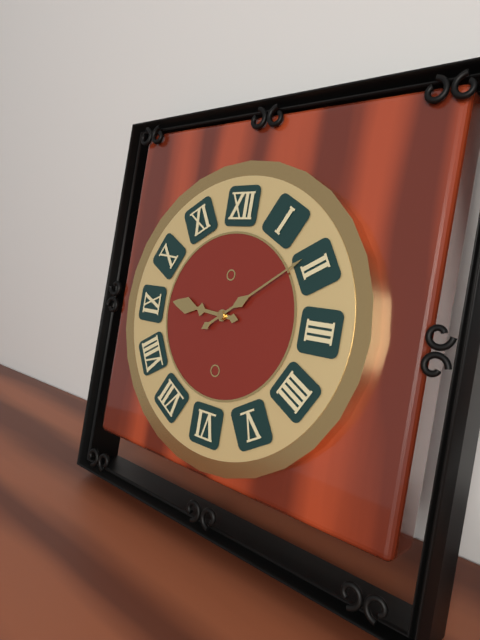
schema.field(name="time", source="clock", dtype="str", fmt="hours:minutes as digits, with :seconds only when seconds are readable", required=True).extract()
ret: 9:09
